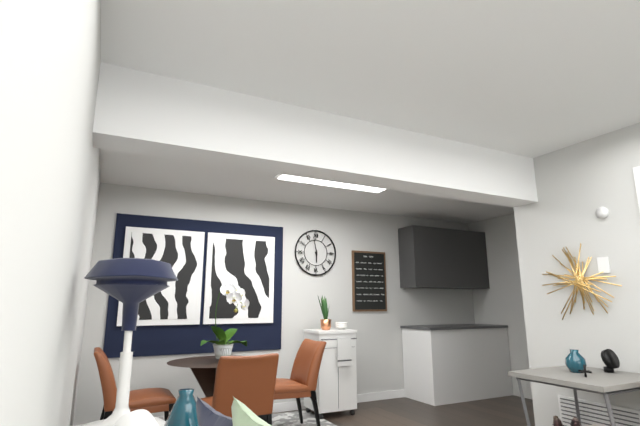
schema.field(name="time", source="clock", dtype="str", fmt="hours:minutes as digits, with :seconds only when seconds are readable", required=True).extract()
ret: 5:58
